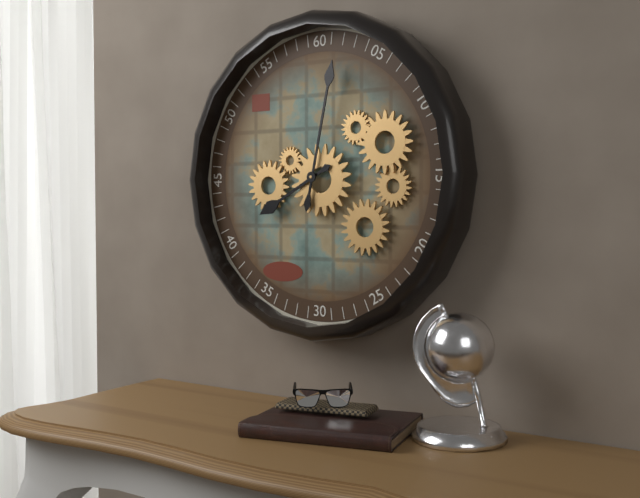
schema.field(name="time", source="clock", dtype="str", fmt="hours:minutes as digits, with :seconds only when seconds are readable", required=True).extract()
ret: 8:02
